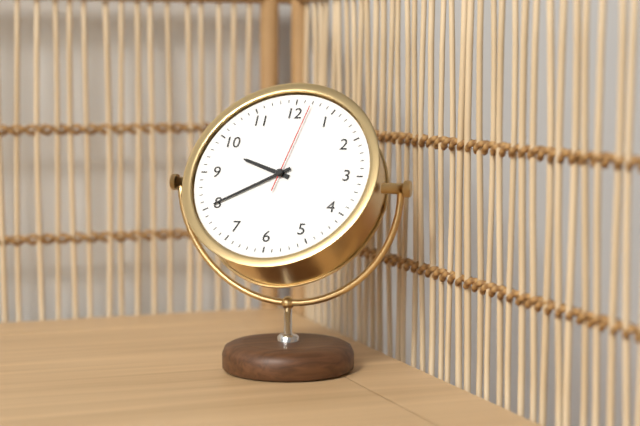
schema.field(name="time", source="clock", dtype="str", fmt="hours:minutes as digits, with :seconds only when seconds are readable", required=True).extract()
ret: 9:40:02
